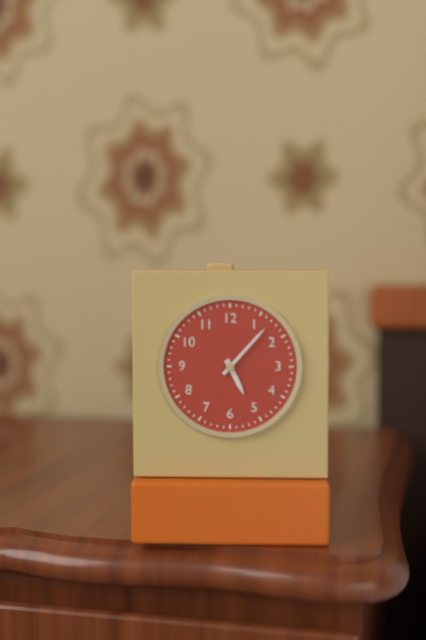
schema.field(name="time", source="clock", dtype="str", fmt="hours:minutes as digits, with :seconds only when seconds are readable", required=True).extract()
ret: 5:07
